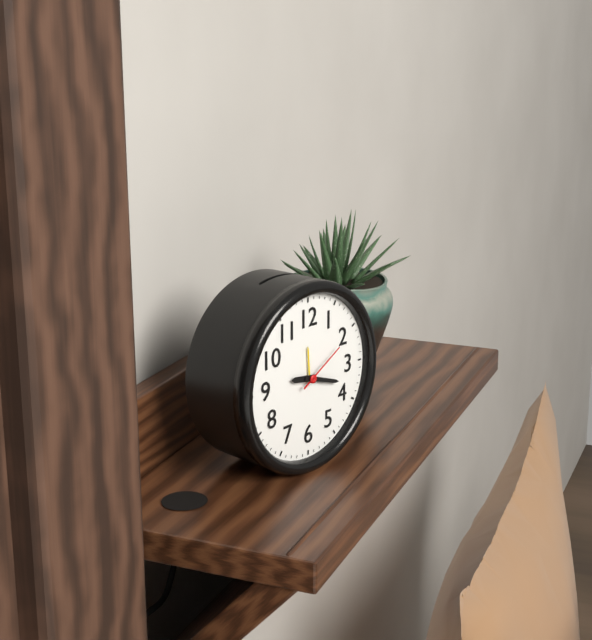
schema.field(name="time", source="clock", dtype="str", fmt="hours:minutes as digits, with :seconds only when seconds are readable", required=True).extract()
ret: 9:18:10
